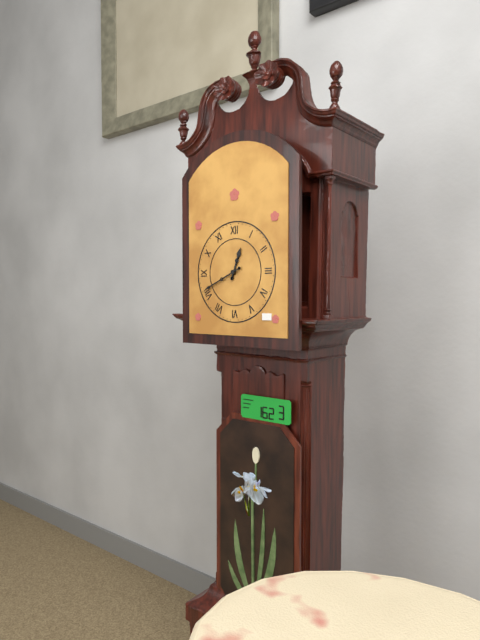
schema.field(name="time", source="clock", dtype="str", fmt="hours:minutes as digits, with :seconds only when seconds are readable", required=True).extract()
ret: 12:41
